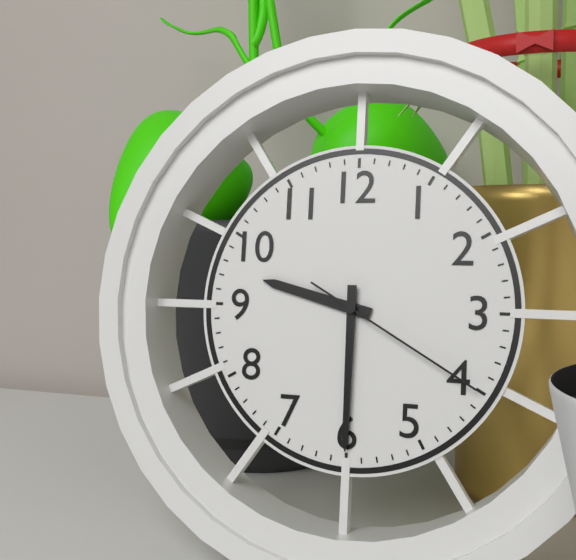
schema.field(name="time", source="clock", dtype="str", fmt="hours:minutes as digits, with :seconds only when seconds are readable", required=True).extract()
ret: 9:30:20
